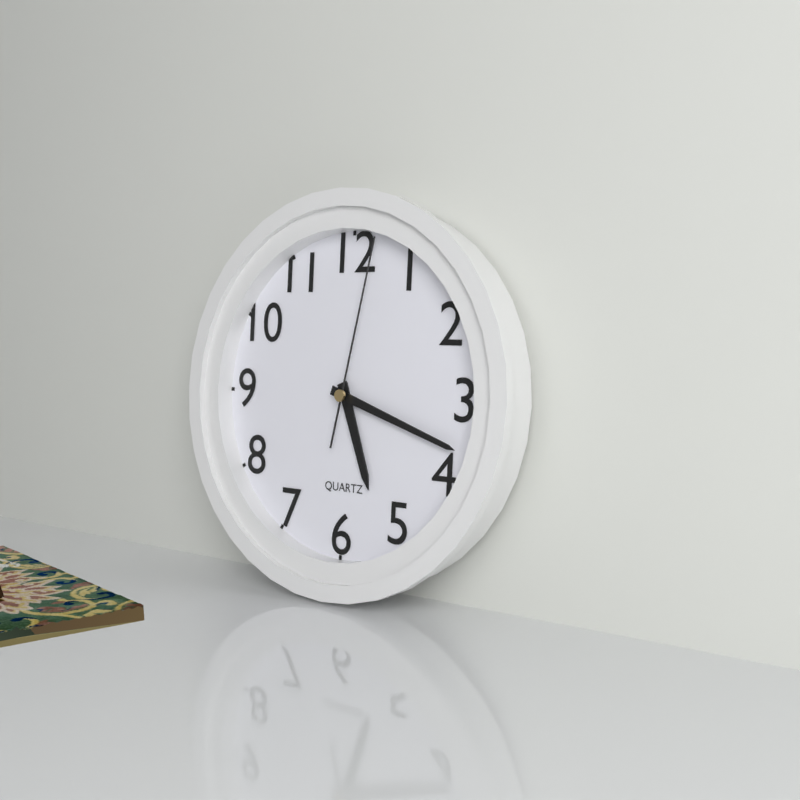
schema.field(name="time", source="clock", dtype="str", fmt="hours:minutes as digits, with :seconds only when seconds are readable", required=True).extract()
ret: 5:18:02
